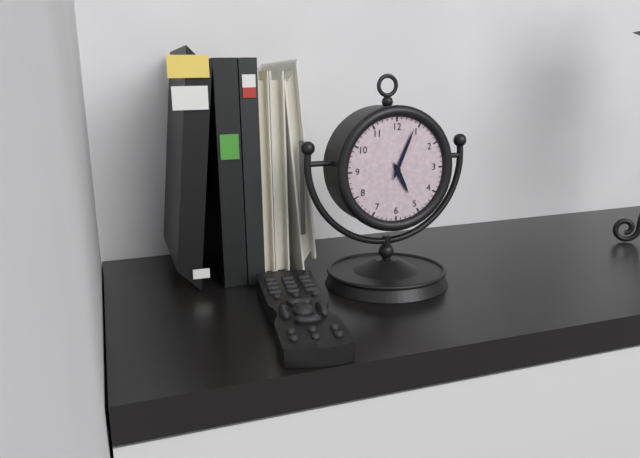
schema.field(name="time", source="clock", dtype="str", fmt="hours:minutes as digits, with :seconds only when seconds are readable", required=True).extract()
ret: 5:04
